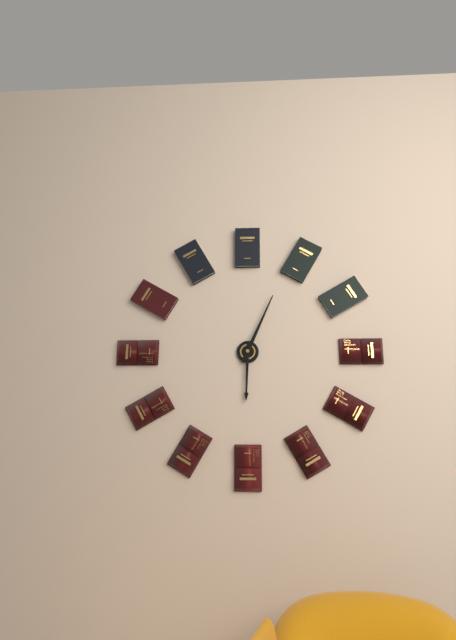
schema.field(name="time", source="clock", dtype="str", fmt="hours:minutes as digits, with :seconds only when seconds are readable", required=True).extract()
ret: 6:04
